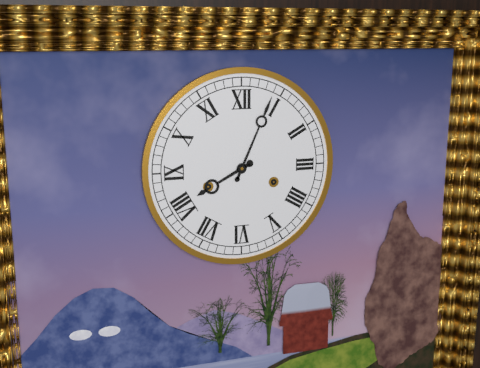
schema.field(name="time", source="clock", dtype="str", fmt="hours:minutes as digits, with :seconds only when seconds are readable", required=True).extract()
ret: 8:04
